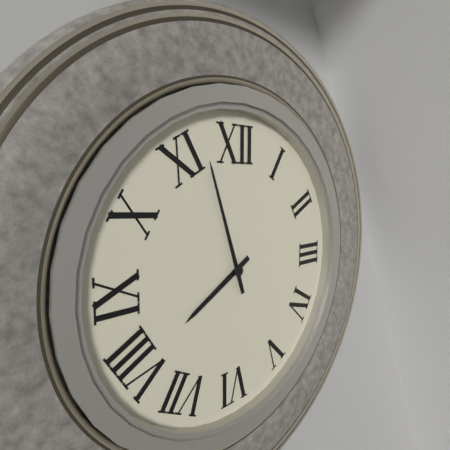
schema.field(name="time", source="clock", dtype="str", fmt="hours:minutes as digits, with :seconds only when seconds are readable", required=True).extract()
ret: 7:57
